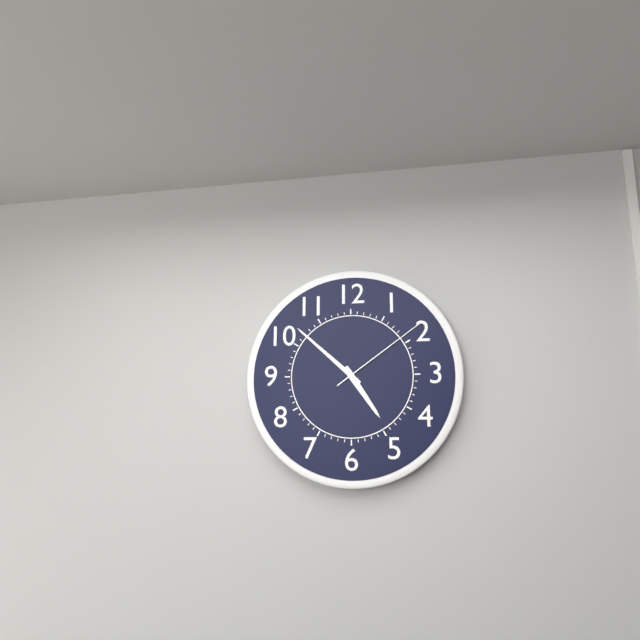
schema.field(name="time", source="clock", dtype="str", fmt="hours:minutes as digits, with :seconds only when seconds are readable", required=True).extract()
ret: 4:52:09
